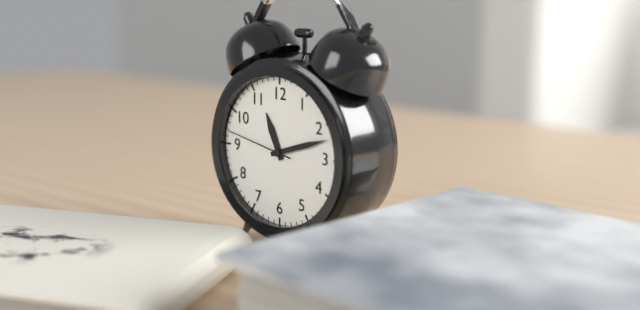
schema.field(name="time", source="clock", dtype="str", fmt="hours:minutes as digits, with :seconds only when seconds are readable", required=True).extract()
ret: 11:12:47
